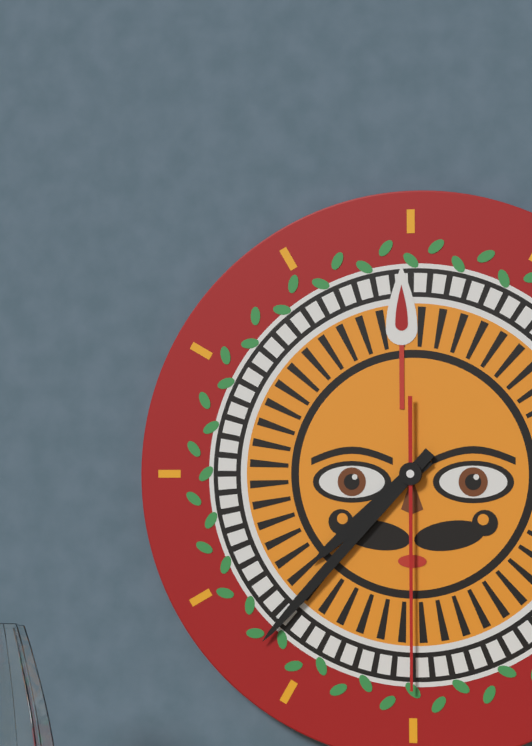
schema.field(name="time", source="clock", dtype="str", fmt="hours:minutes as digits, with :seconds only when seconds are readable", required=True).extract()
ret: 7:37:30
